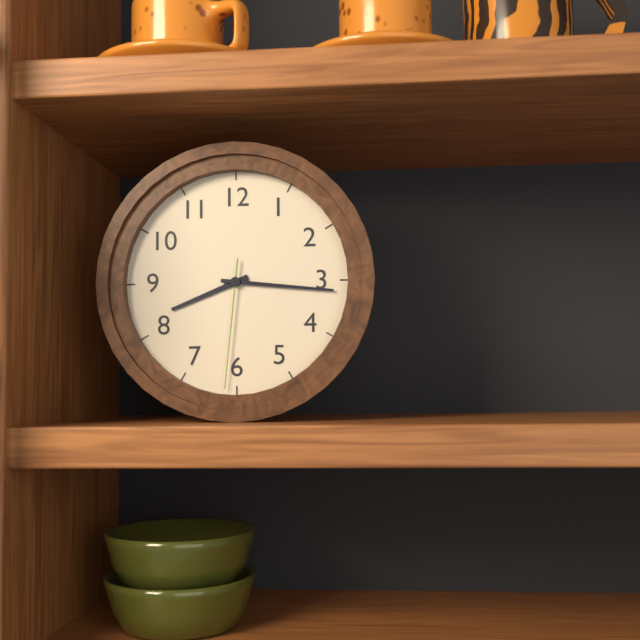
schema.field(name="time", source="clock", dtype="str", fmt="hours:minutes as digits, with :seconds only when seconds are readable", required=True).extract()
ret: 8:16:31
